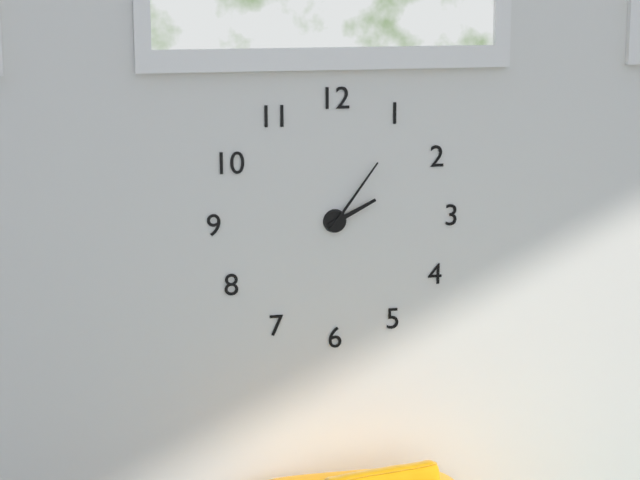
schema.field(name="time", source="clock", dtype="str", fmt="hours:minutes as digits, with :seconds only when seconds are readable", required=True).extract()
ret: 2:06
